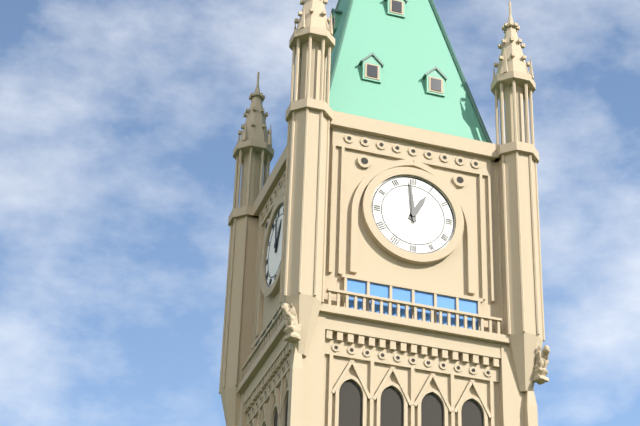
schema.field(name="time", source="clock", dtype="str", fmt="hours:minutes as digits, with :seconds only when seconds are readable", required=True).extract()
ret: 12:59
